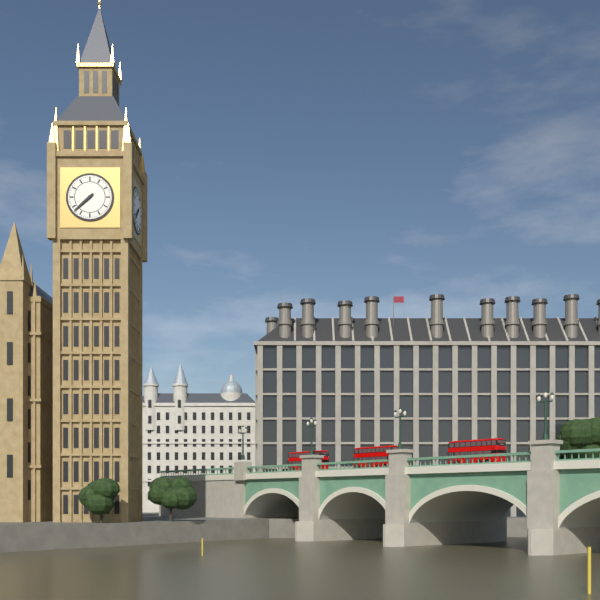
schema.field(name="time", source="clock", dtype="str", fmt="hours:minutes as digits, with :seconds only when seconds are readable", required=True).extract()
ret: 7:38
